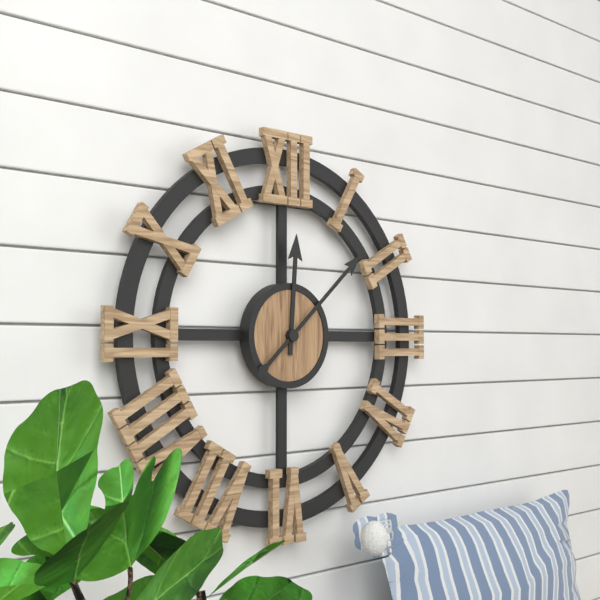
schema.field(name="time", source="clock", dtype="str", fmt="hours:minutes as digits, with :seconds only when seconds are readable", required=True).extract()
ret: 12:08
